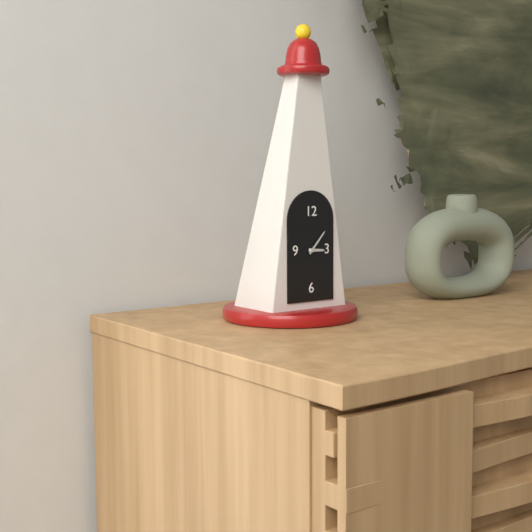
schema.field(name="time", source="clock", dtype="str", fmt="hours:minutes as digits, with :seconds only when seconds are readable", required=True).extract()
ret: 3:07
